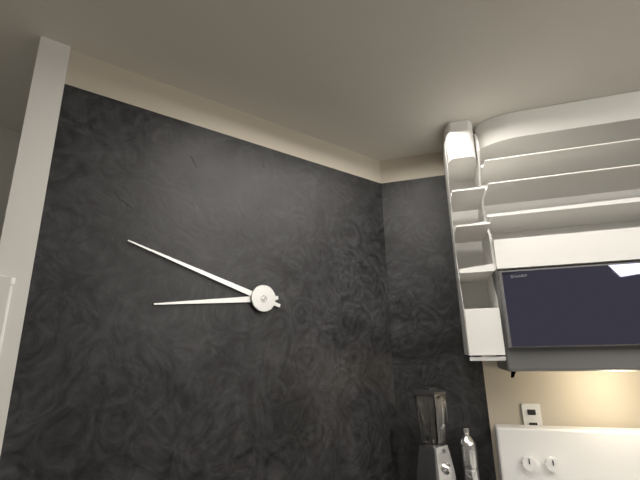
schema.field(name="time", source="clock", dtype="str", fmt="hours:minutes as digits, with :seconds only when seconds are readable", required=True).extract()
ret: 8:48
